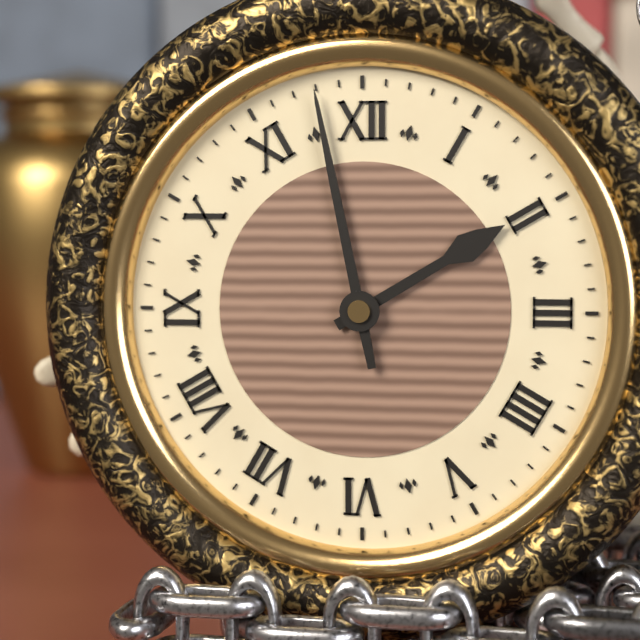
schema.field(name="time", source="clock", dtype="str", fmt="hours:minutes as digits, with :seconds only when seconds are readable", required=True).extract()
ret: 1:58
